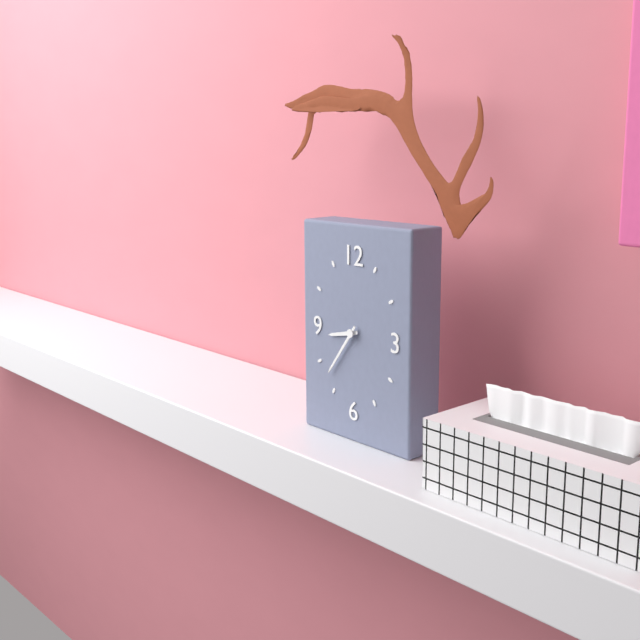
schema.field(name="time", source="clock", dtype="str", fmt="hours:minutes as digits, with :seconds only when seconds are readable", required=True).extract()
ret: 8:36
